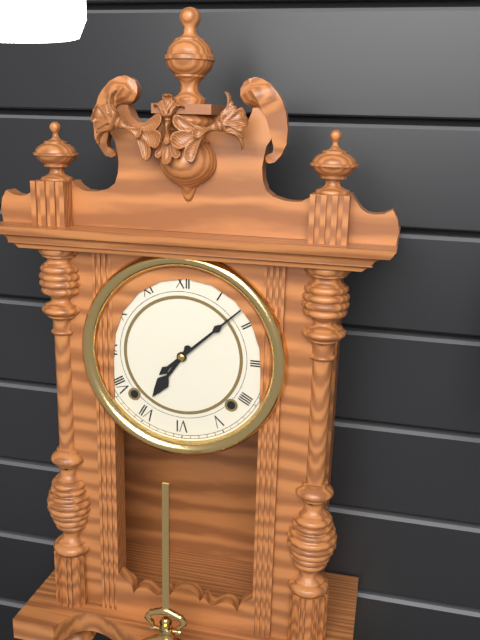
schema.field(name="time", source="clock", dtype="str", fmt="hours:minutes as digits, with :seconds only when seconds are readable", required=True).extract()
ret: 7:08
